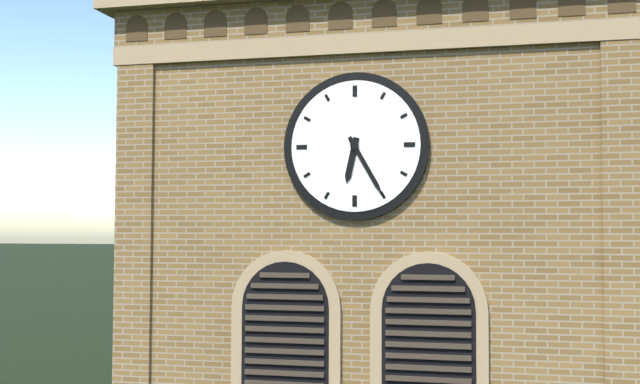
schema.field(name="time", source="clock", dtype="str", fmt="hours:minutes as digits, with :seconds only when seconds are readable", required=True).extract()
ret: 6:25
